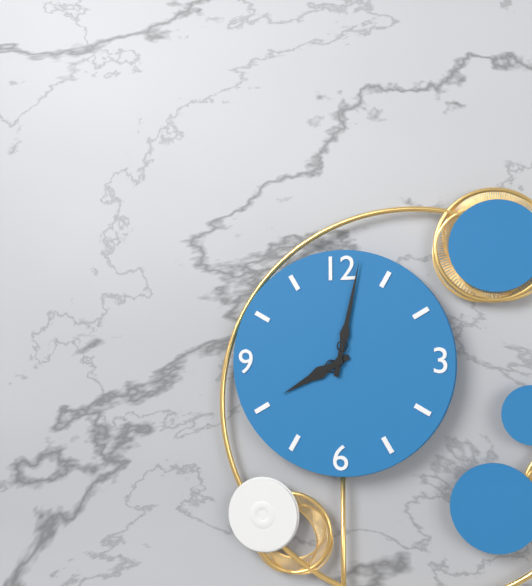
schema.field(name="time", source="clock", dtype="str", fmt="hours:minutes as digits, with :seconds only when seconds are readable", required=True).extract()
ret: 8:02
